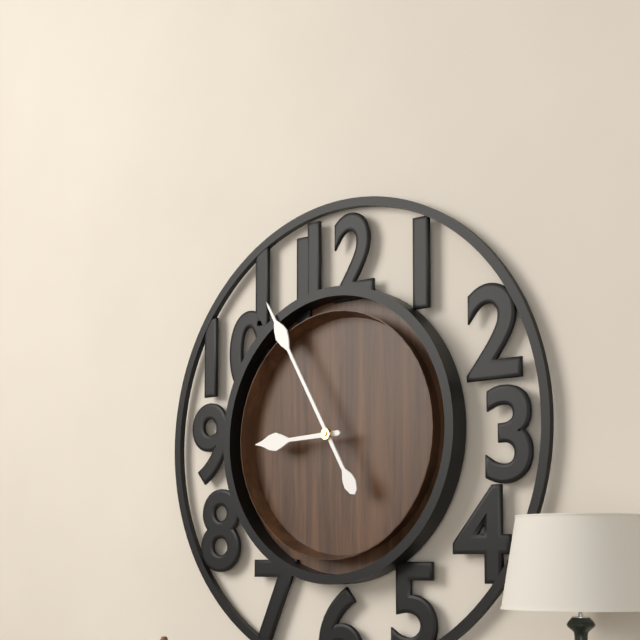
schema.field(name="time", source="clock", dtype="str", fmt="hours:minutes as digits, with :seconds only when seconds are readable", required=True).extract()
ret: 8:55
